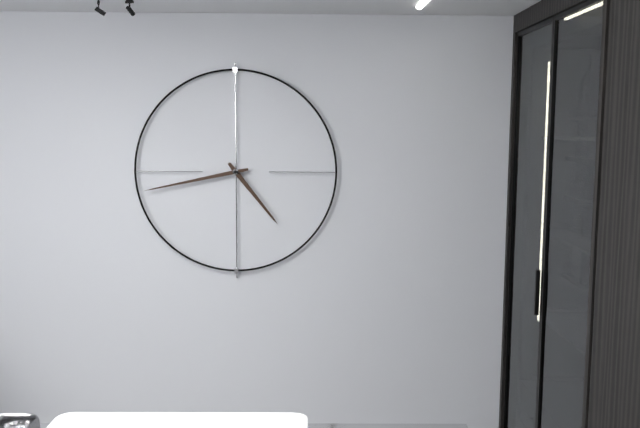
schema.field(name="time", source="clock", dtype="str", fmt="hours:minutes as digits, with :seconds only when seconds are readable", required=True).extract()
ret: 4:43
